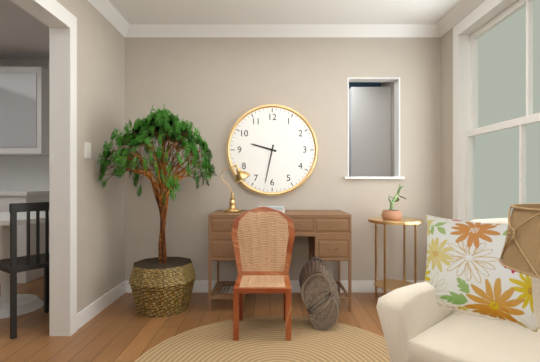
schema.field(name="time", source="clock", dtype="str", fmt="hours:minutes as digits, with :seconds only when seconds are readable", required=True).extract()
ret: 9:32
